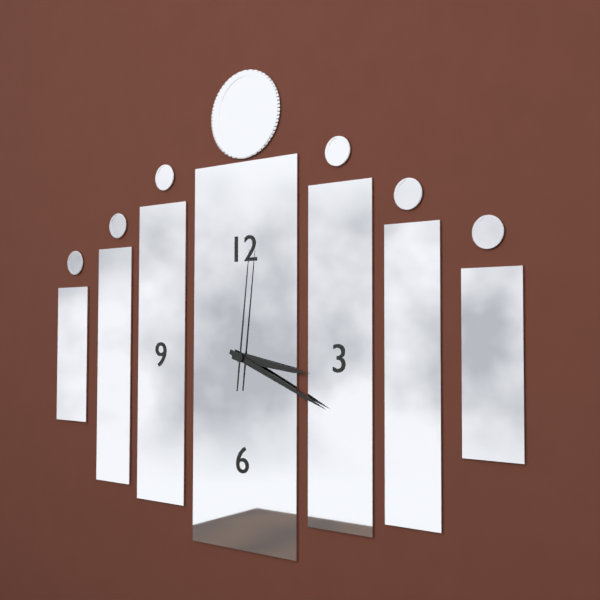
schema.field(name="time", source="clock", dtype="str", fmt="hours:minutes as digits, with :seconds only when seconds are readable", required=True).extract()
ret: 3:19:01
